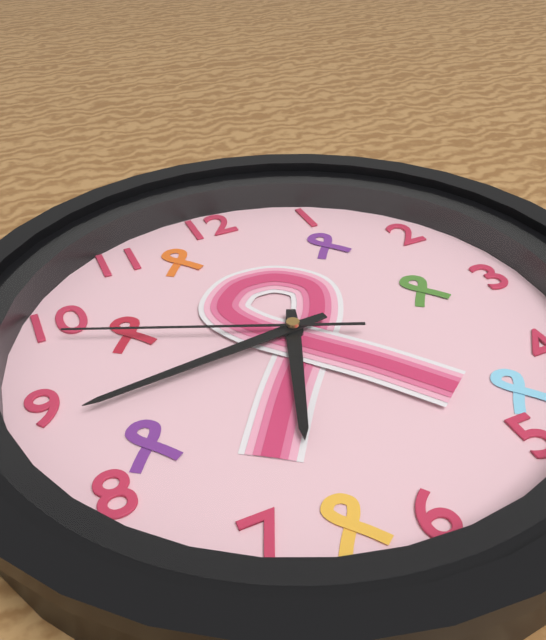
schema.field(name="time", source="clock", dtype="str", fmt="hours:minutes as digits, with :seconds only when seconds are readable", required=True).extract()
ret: 6:44:49
